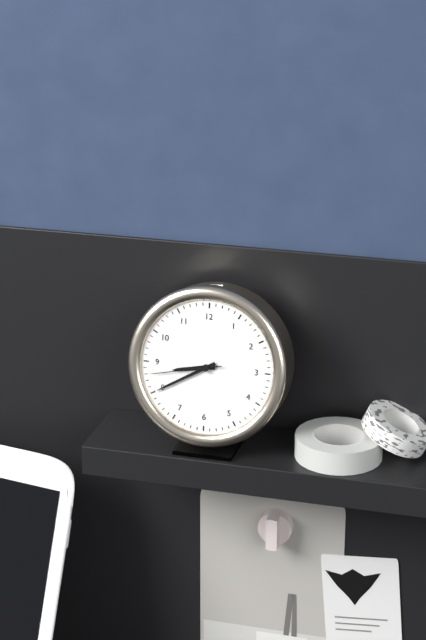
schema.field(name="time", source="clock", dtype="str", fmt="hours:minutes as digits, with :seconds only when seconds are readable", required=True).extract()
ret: 8:40:43
